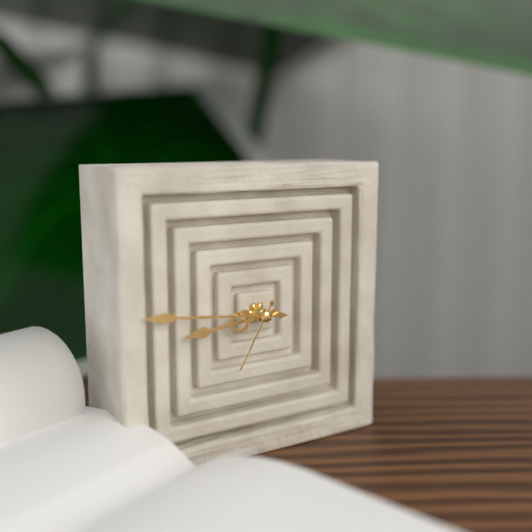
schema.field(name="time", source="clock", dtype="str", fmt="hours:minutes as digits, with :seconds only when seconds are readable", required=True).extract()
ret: 8:46:35
